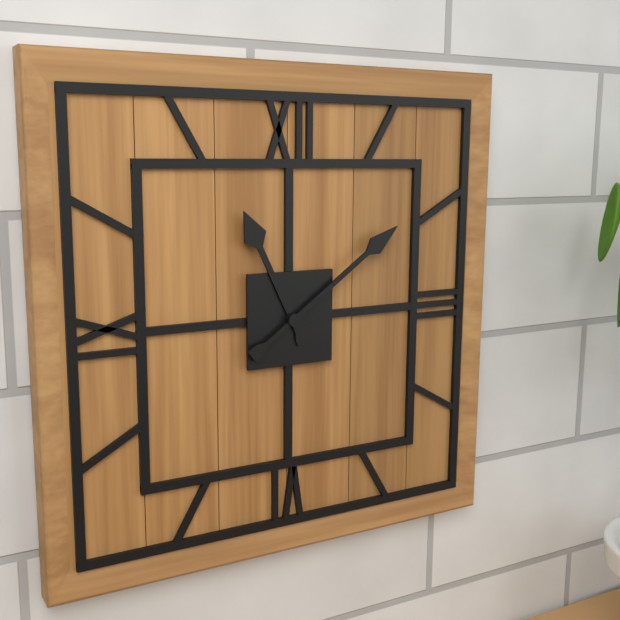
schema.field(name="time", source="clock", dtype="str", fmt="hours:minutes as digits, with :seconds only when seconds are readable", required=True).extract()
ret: 11:09
